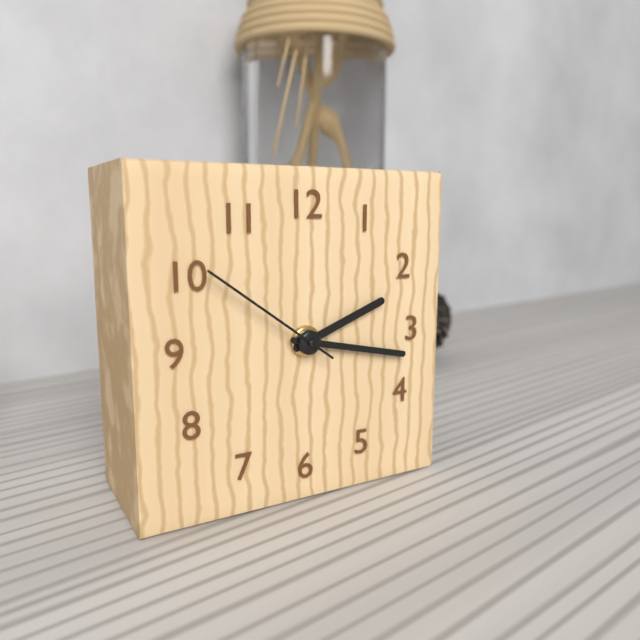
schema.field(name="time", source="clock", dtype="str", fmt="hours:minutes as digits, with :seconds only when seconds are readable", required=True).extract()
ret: 2:17:51
